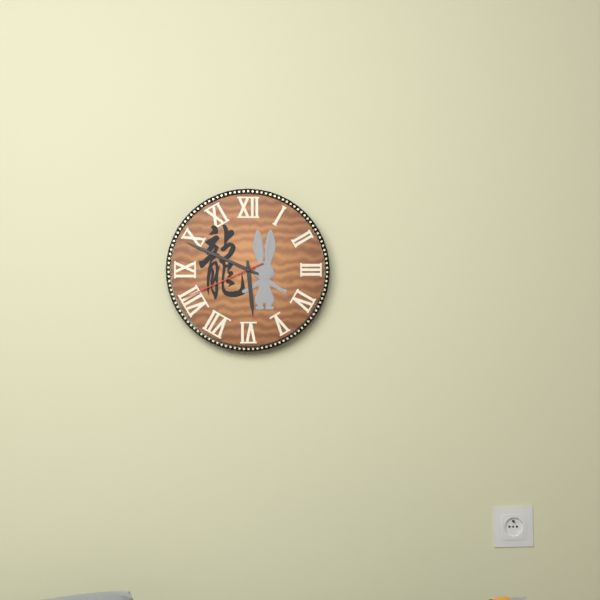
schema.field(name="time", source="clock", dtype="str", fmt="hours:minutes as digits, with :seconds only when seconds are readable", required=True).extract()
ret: 5:49:41
